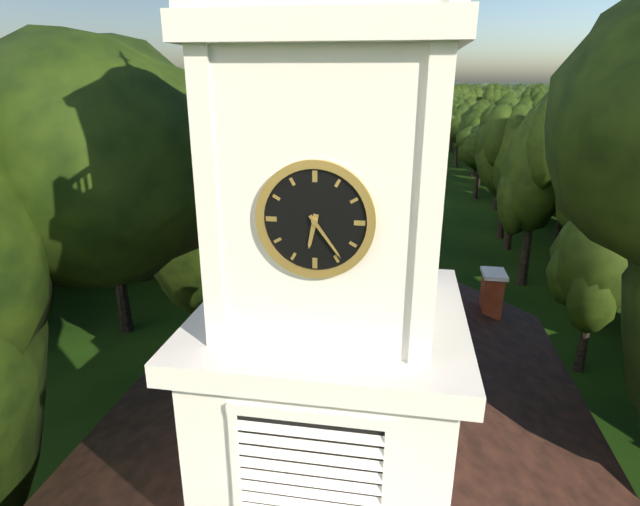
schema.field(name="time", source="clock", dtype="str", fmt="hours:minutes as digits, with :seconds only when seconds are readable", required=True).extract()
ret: 6:24
